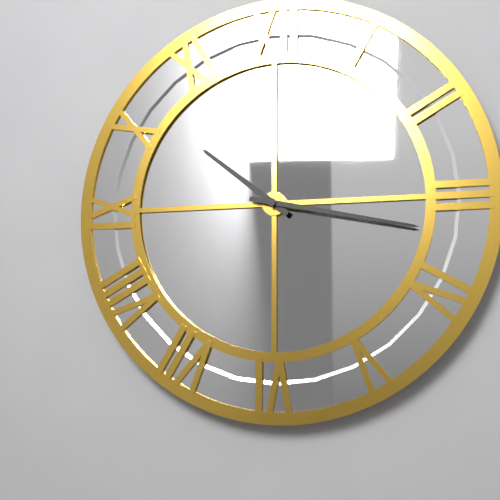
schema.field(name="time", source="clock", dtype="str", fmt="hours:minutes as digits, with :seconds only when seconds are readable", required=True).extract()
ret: 10:17
